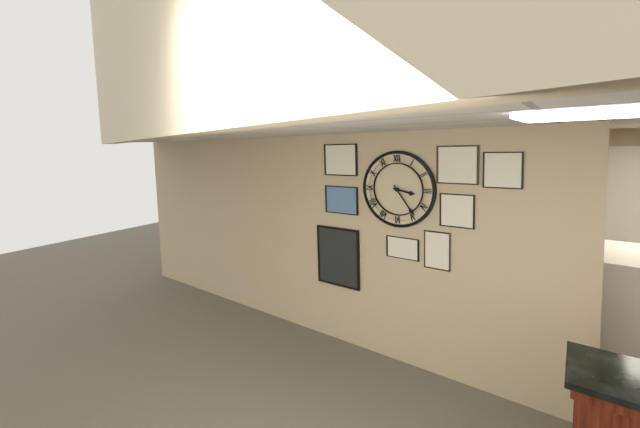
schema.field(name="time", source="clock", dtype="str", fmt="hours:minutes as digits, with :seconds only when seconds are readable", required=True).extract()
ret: 3:24
